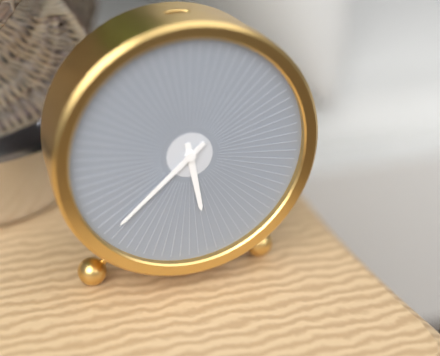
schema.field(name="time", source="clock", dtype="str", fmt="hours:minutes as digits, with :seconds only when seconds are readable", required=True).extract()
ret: 5:38
